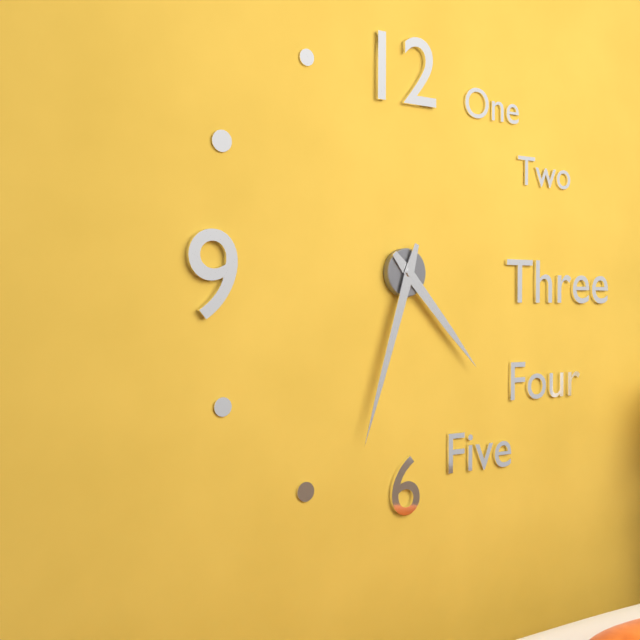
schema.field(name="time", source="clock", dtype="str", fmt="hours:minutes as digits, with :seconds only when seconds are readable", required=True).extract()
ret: 4:33
